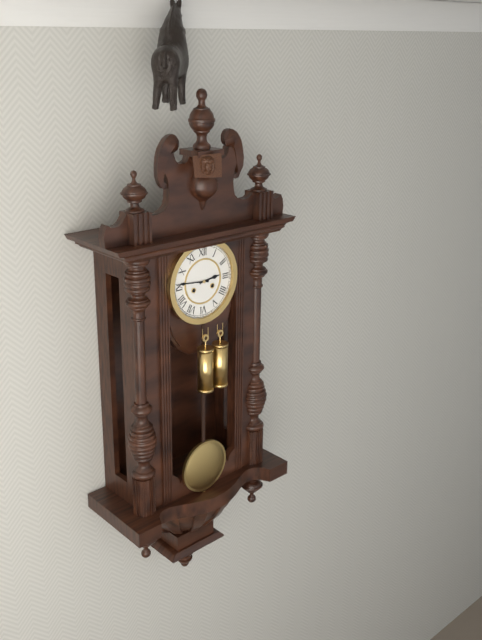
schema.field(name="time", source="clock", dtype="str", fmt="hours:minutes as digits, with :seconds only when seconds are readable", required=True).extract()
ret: 2:46
